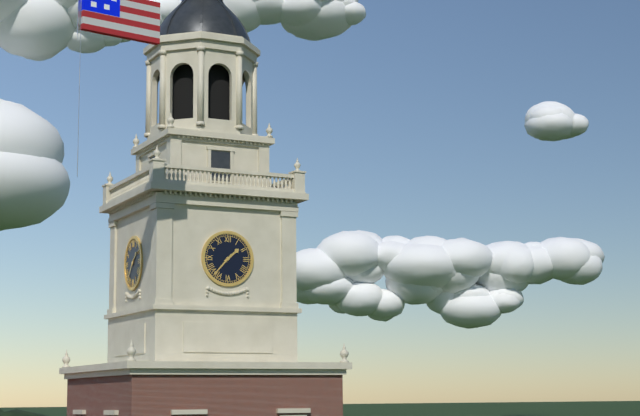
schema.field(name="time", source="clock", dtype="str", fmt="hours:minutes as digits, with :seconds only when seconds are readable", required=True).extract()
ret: 1:37
